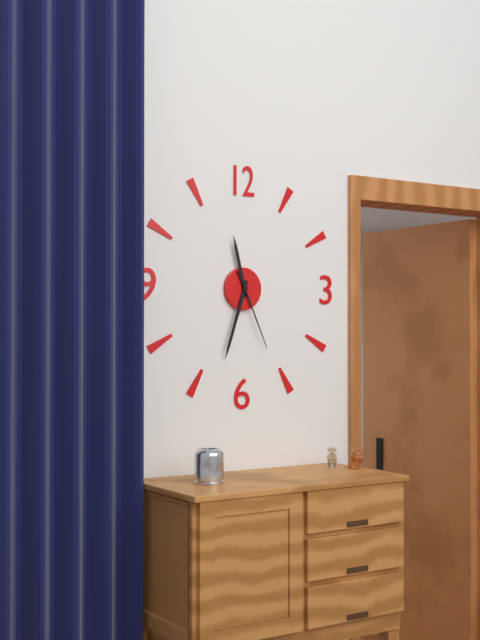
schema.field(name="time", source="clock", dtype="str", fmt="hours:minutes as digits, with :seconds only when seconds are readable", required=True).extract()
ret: 11:33:26
